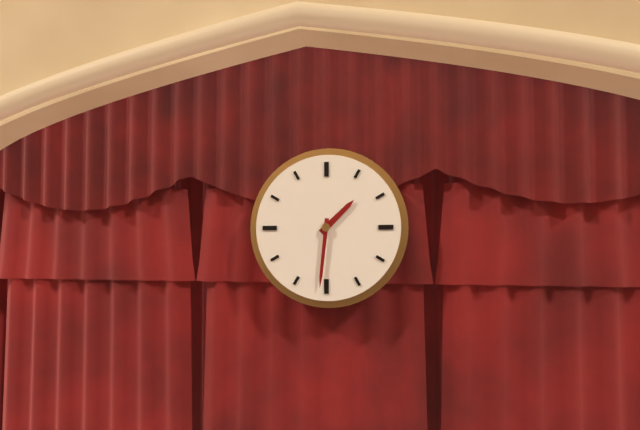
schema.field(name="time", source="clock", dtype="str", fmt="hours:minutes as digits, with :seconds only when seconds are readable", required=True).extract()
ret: 1:31
